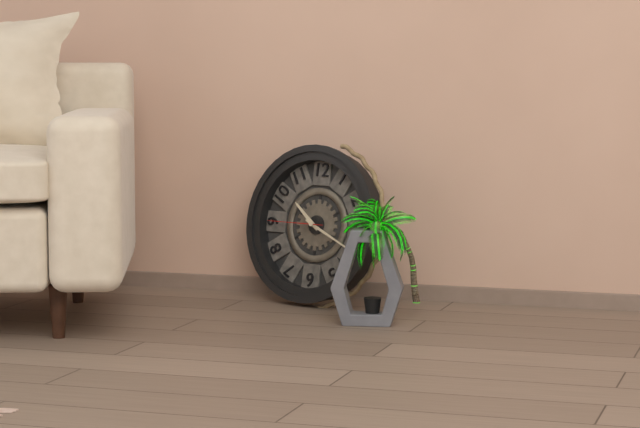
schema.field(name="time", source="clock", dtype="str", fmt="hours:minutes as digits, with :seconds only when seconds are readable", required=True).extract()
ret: 10:19:45
